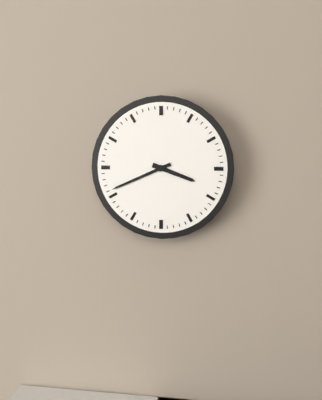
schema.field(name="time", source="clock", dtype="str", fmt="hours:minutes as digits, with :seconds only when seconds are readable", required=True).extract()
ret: 3:41
